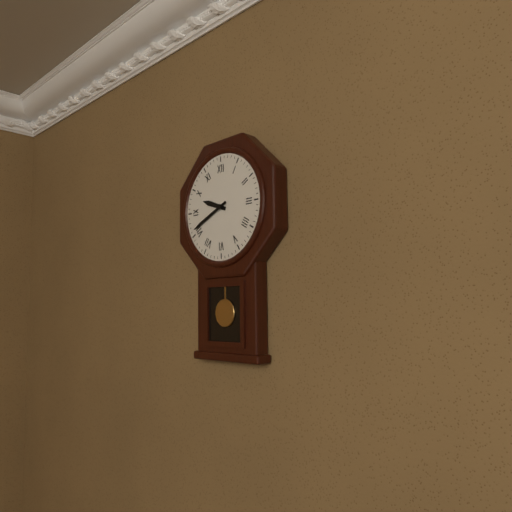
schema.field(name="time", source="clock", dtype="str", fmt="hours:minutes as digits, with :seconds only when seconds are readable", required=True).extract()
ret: 9:41
